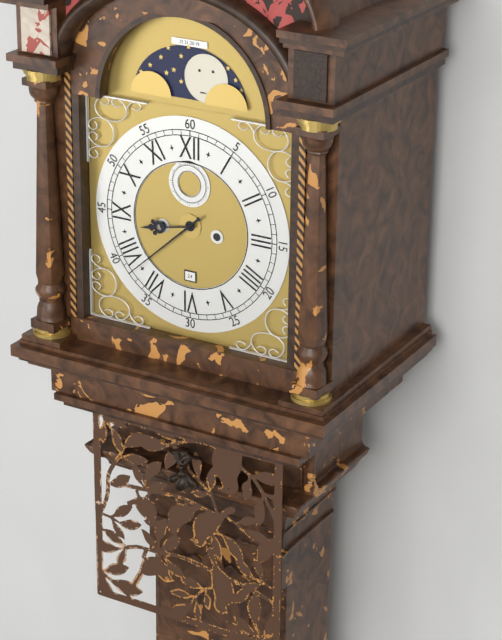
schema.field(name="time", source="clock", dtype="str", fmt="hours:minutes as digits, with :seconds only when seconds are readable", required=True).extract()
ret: 8:38
